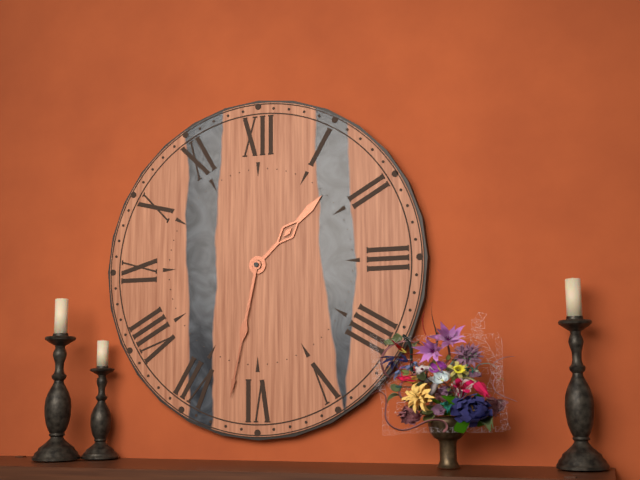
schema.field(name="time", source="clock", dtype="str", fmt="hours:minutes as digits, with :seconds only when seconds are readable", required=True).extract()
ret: 1:32
